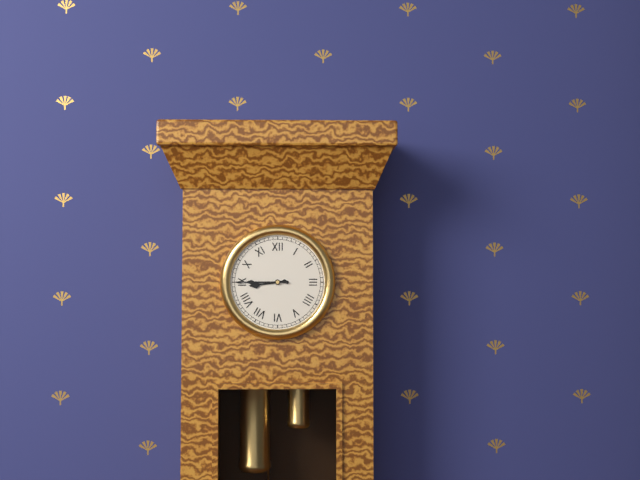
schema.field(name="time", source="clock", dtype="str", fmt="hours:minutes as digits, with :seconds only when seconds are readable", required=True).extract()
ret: 8:45
